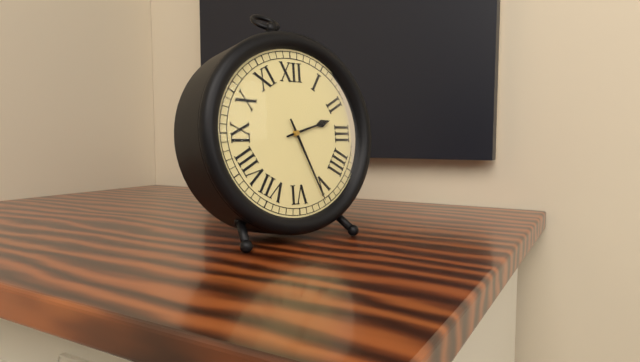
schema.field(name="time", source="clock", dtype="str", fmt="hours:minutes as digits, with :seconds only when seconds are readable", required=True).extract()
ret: 2:26
